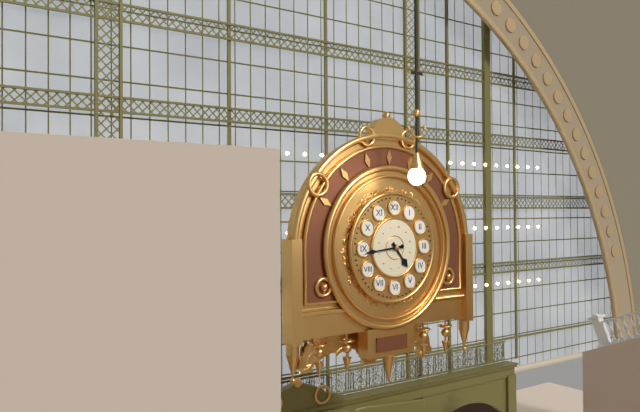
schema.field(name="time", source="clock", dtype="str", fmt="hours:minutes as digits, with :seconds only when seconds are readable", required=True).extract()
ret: 4:44
